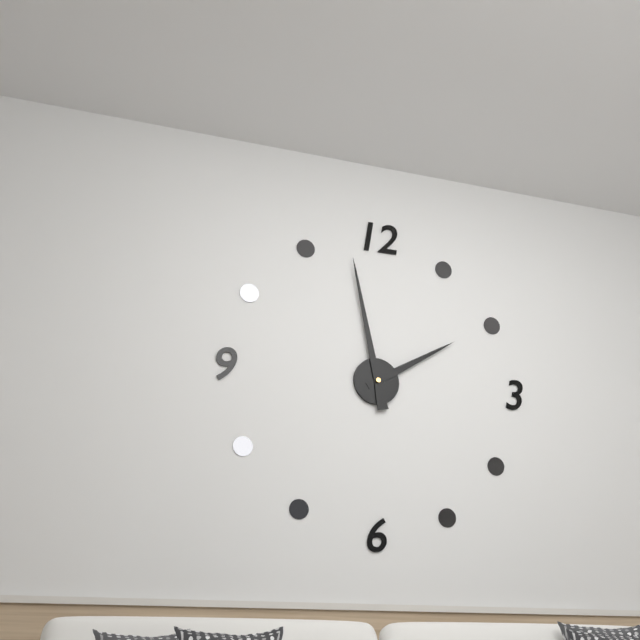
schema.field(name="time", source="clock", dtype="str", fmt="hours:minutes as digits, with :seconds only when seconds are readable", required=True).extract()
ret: 1:58
